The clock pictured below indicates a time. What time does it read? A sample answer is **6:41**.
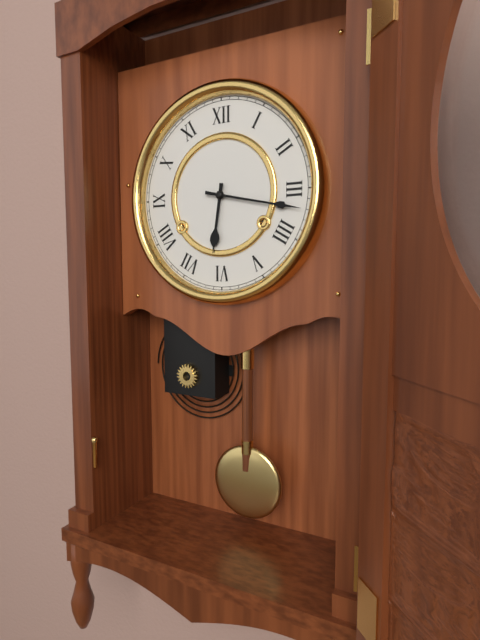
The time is **6:17**
